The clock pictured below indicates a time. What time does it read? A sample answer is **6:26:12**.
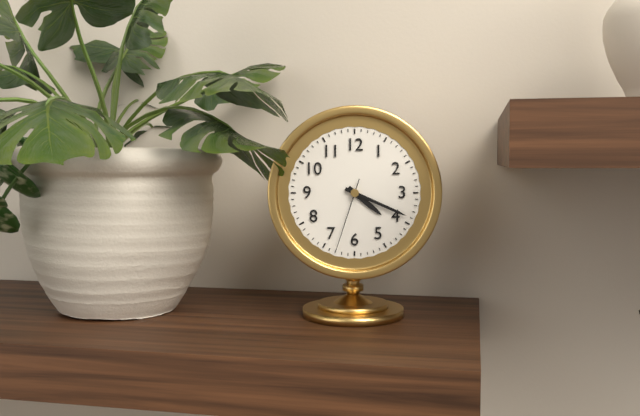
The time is **4:19:33**
